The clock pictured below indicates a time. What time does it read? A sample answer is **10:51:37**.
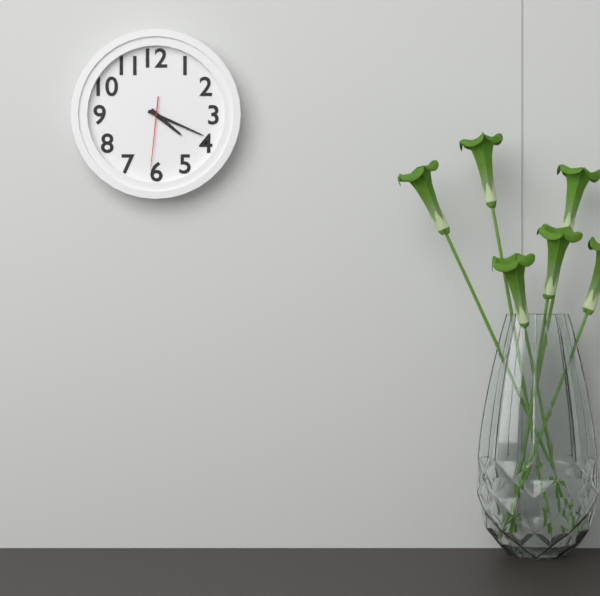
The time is **4:19:31**
